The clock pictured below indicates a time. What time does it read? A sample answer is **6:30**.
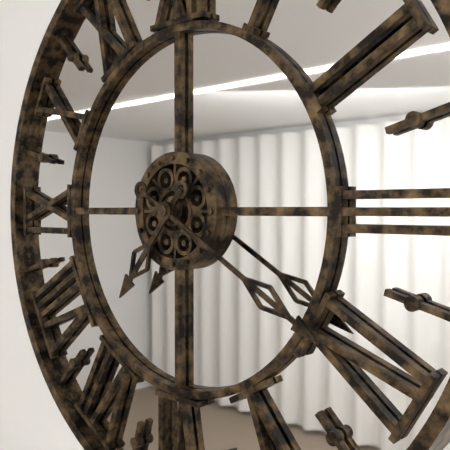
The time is **7:20**
